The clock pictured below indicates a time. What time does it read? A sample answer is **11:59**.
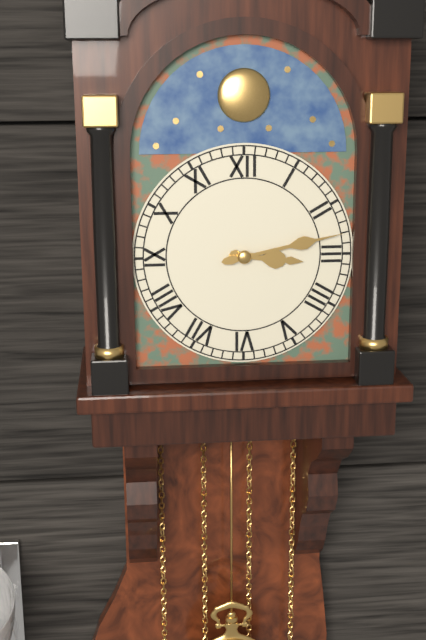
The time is **3:13**
